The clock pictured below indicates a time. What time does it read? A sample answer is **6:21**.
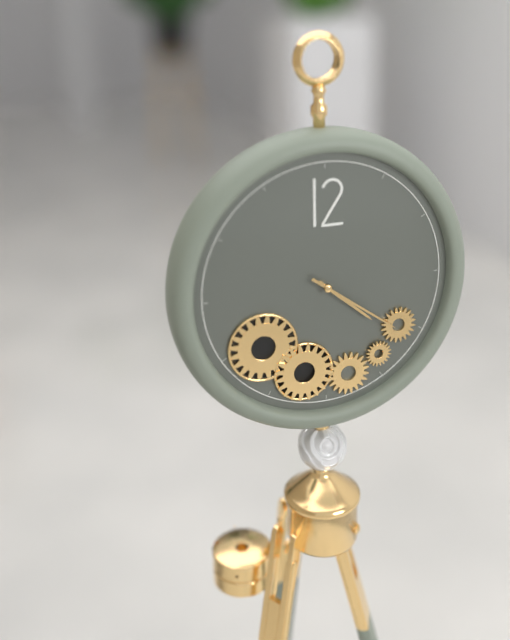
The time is **4:21**
